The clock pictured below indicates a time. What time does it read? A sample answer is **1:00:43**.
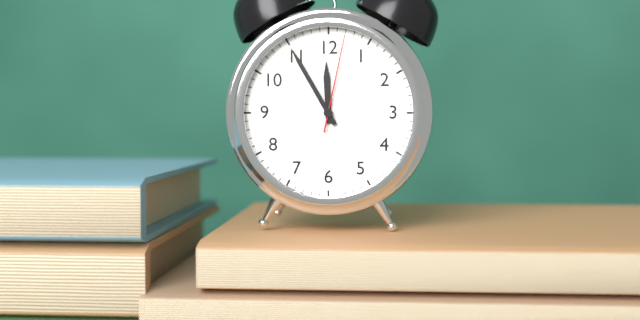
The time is **11:55:02**
